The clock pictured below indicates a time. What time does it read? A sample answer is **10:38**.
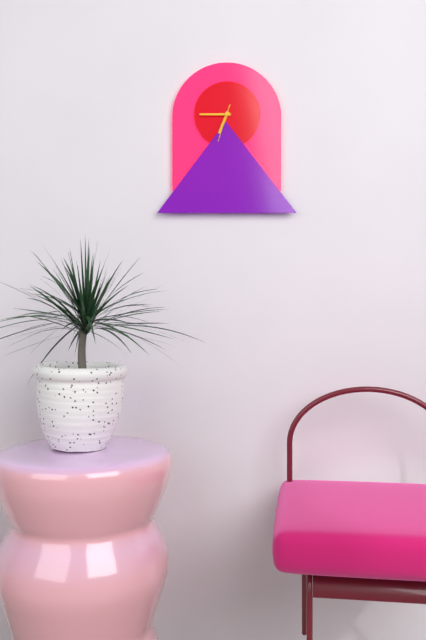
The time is **6:45**
